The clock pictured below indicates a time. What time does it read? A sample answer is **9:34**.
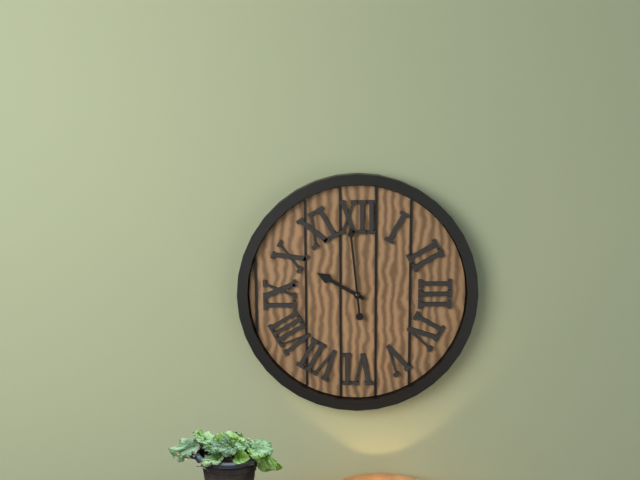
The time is **9:59**
